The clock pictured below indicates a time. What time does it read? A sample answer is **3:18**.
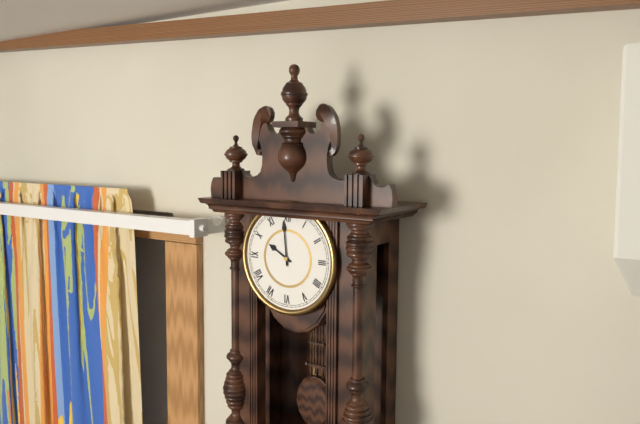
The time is **9:59**
